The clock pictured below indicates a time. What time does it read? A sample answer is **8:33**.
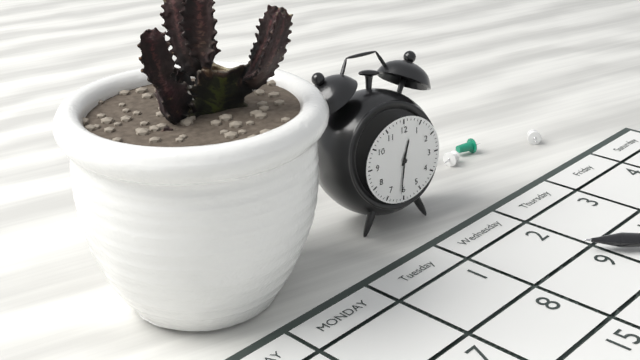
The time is **12:31**
